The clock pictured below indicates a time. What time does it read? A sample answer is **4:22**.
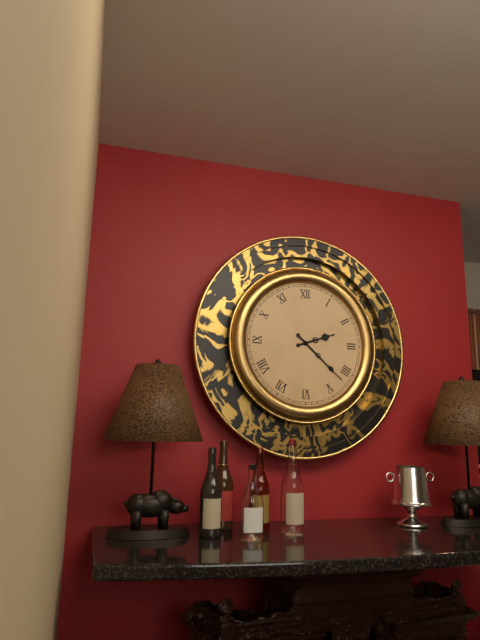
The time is **2:22**
